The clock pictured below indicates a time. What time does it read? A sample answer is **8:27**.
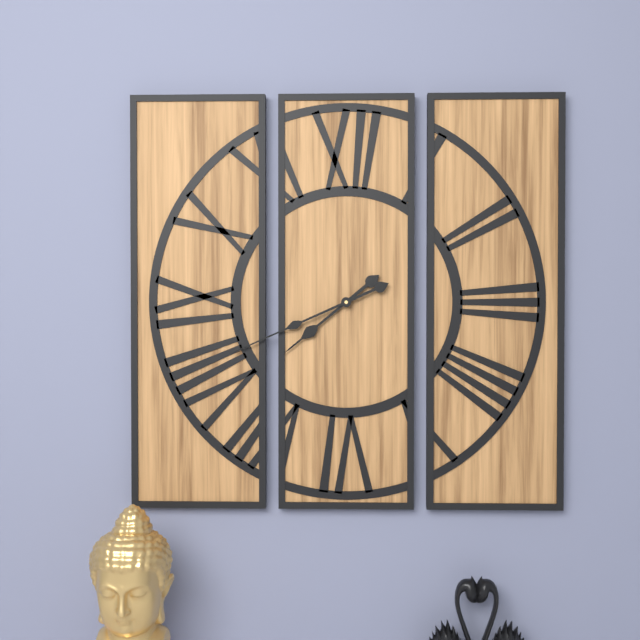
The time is **7:41**
